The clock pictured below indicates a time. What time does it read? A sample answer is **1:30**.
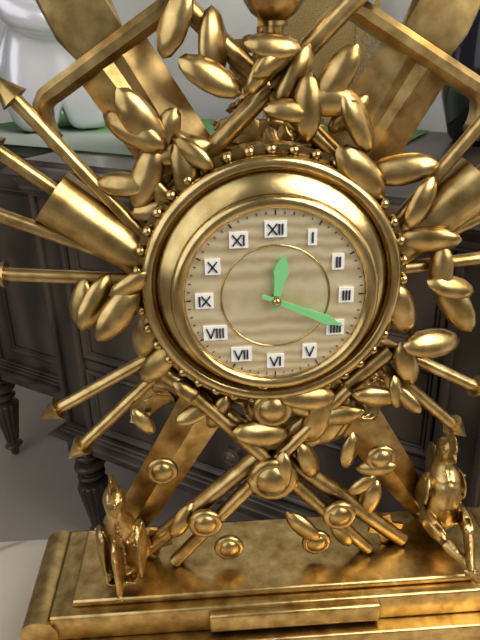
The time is **12:19**
